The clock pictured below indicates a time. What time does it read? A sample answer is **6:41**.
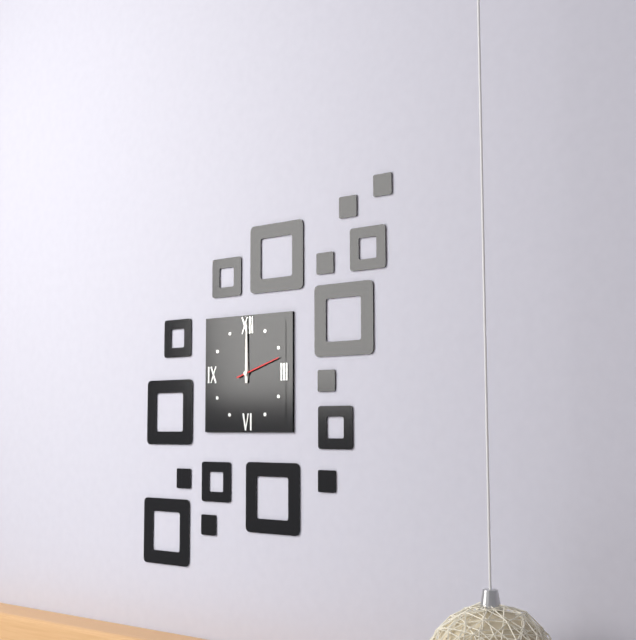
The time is **12:00**
